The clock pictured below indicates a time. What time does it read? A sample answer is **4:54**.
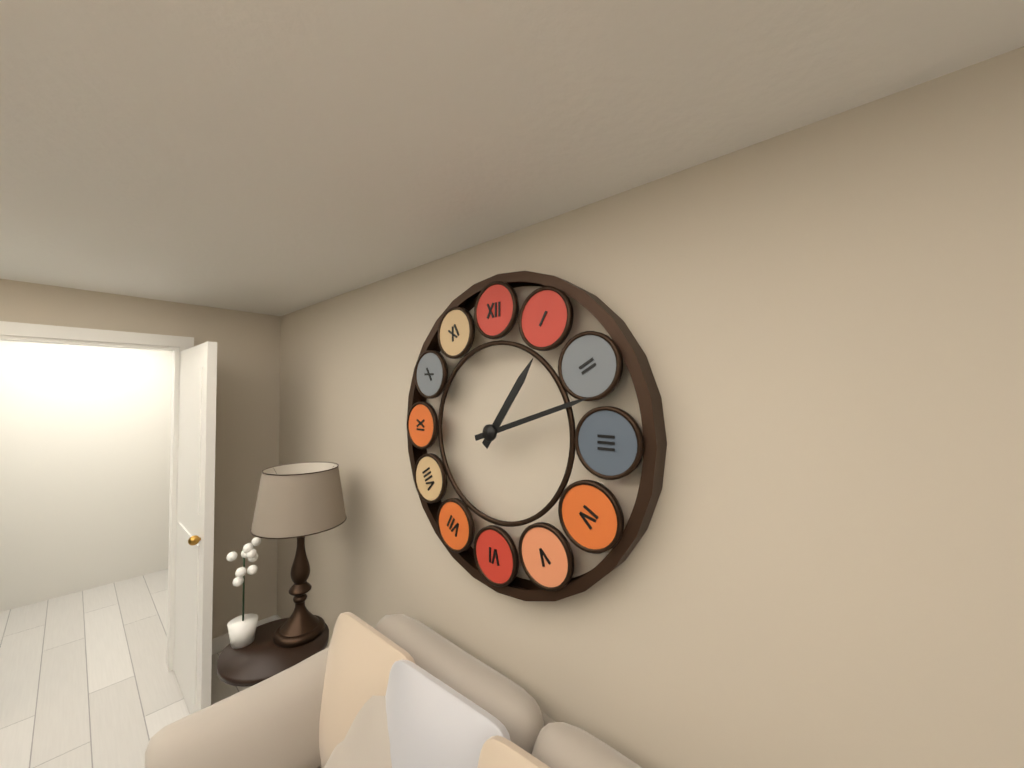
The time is **1:12**
